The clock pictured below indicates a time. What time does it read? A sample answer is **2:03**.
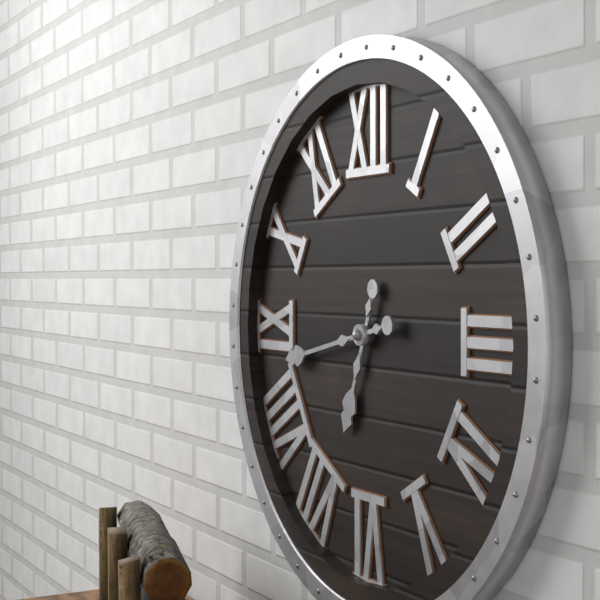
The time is **6:43**
